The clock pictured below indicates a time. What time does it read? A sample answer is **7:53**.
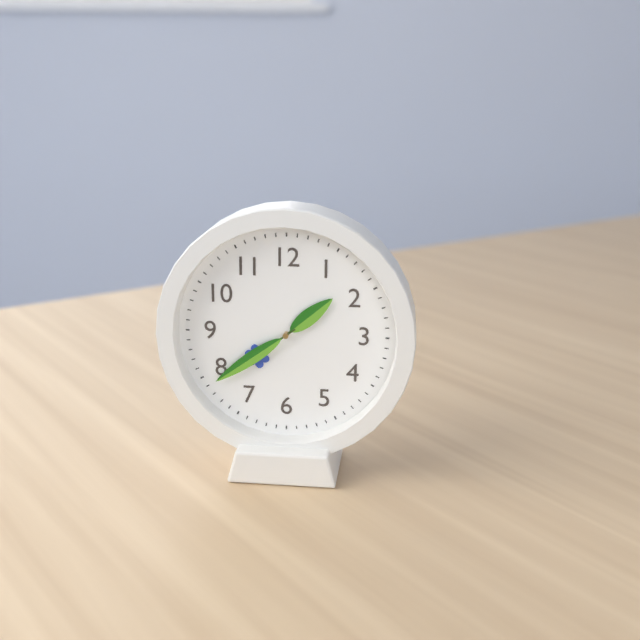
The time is **1:39**
